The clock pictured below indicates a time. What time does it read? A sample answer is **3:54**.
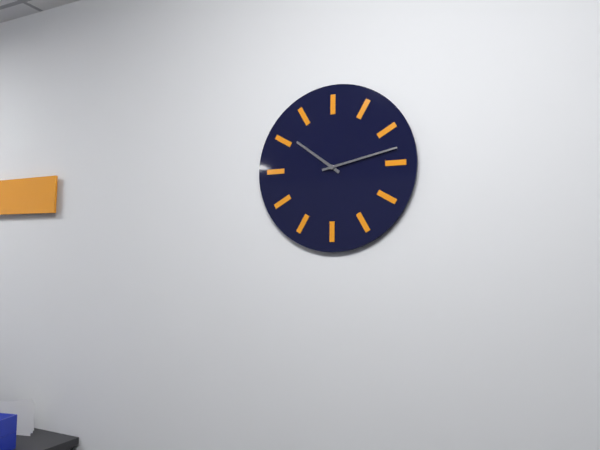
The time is **10:13**
